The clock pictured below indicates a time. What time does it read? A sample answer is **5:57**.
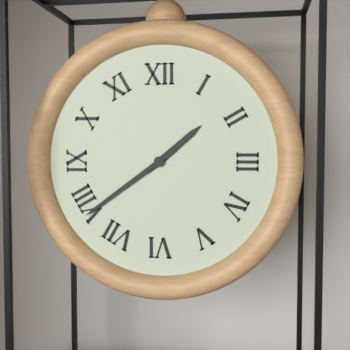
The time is **1:39**
